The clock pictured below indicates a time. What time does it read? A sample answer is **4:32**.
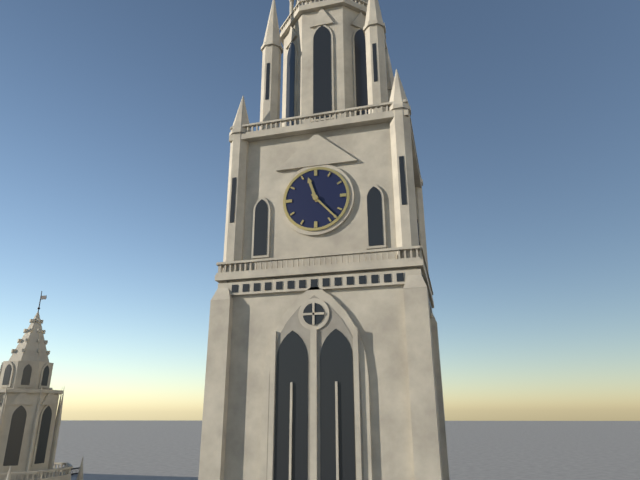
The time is **11:23**
